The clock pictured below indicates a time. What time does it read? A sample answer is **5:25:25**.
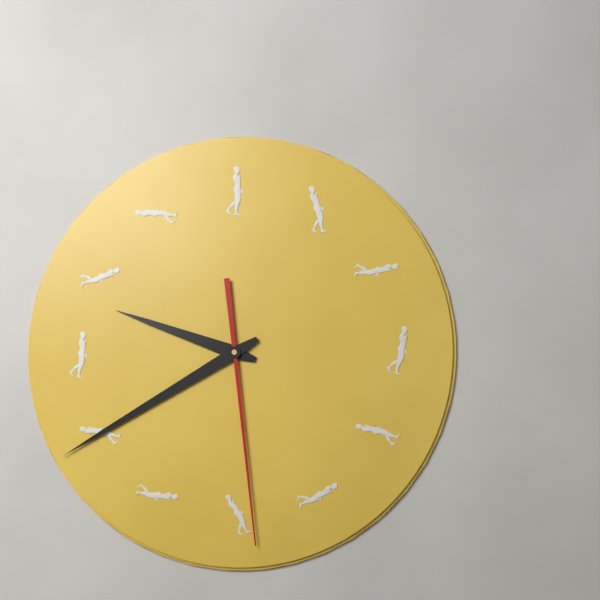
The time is **9:40:29**
